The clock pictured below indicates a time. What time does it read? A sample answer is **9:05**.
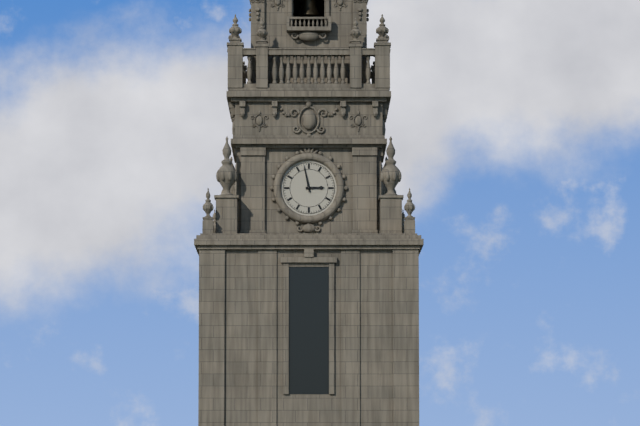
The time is **2:58**
